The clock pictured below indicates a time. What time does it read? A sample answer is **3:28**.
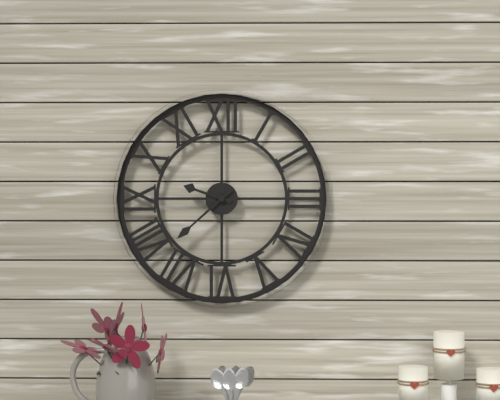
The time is **9:38**
